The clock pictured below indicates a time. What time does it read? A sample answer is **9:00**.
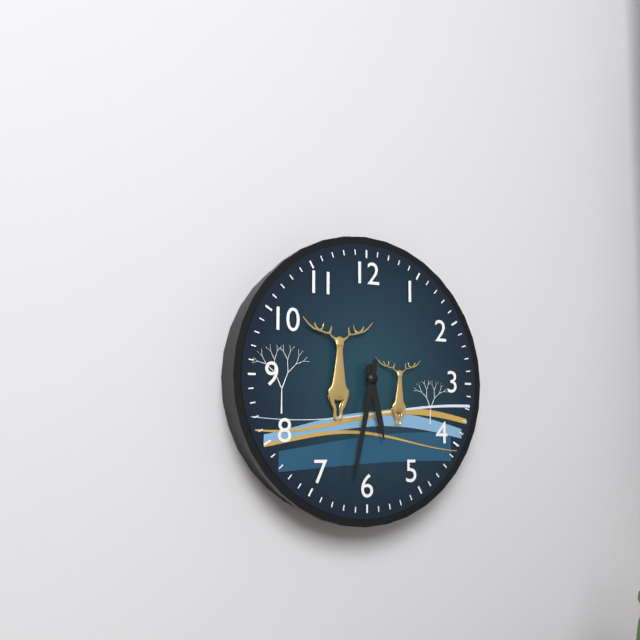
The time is **5:32**
